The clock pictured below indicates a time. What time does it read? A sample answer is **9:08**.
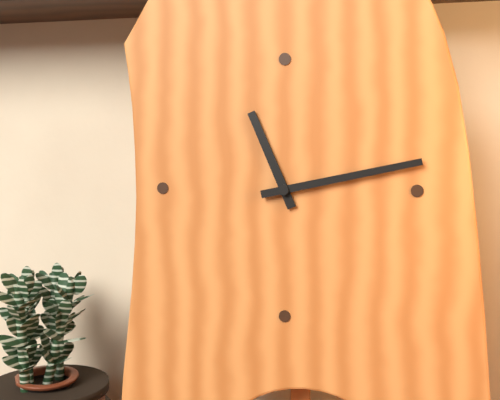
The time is **11:13**
